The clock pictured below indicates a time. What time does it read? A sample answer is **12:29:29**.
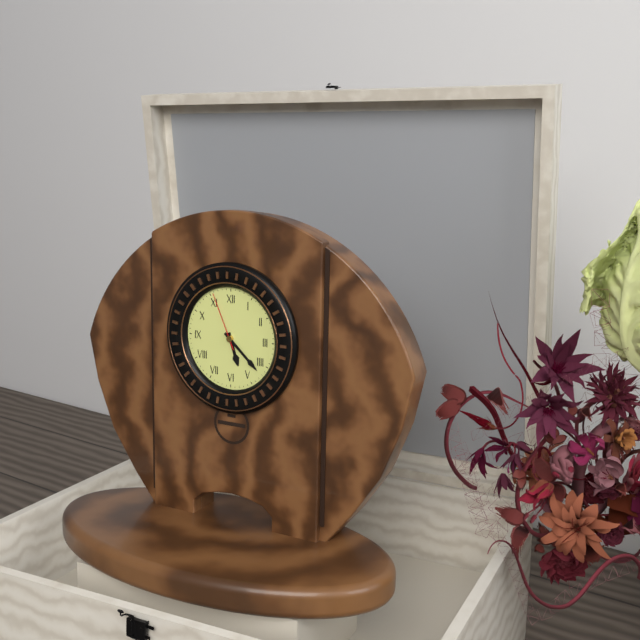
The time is **5:22:56**
